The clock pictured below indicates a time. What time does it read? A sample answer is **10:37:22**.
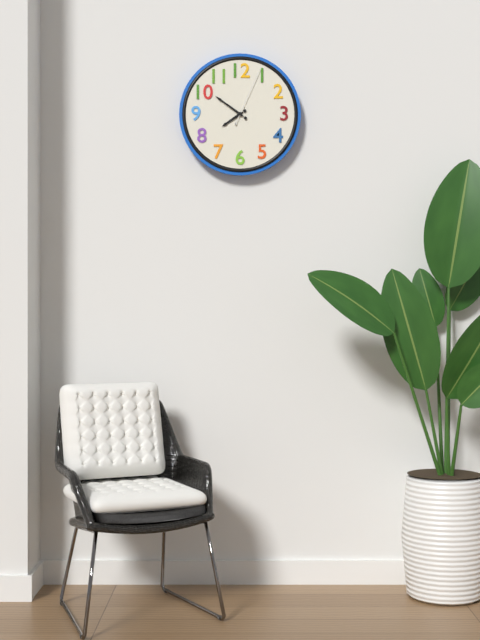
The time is **7:51:04**
